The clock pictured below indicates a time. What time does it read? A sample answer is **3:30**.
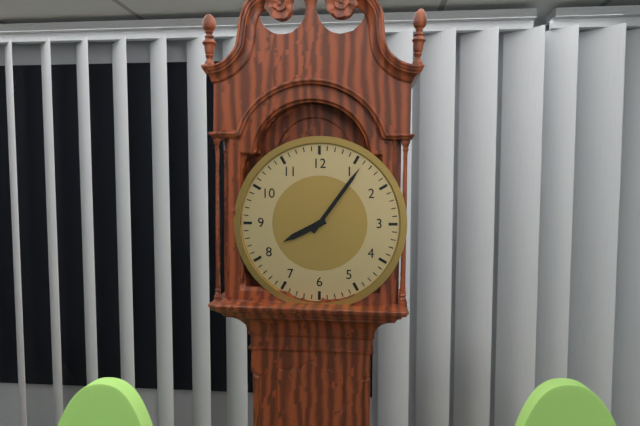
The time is **8:06**
